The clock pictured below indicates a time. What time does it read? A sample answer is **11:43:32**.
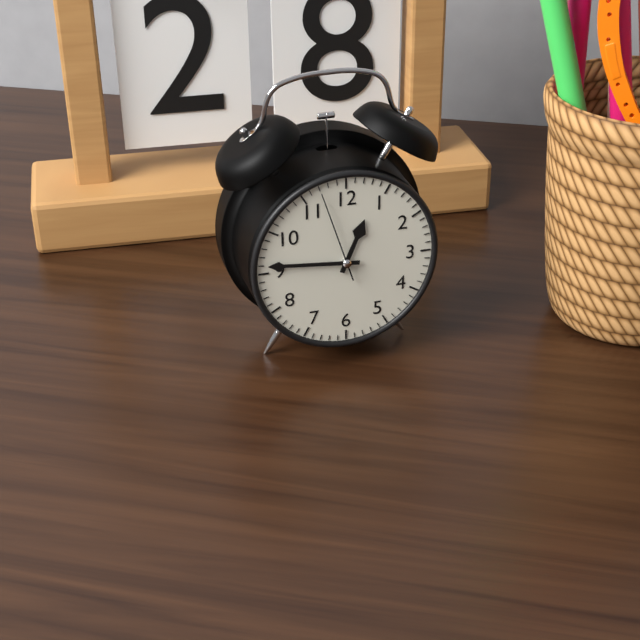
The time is **12:46:57**
